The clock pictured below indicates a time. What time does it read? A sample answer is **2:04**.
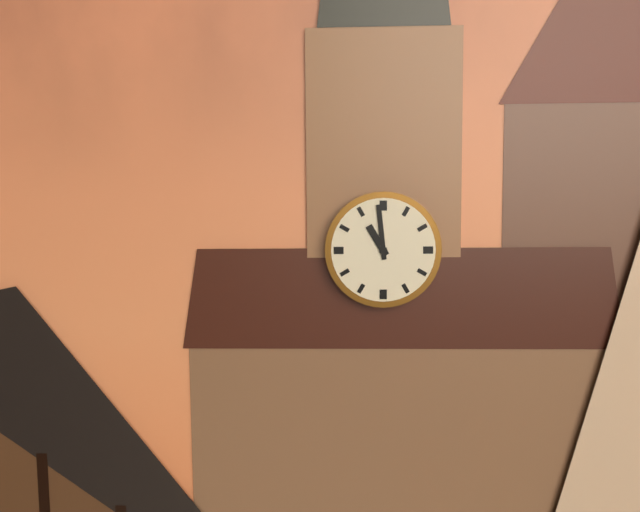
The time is **10:59**
